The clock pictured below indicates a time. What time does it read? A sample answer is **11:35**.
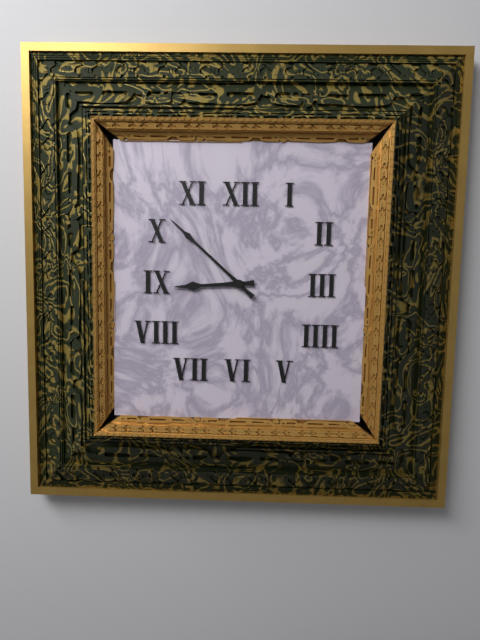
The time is **8:52**
